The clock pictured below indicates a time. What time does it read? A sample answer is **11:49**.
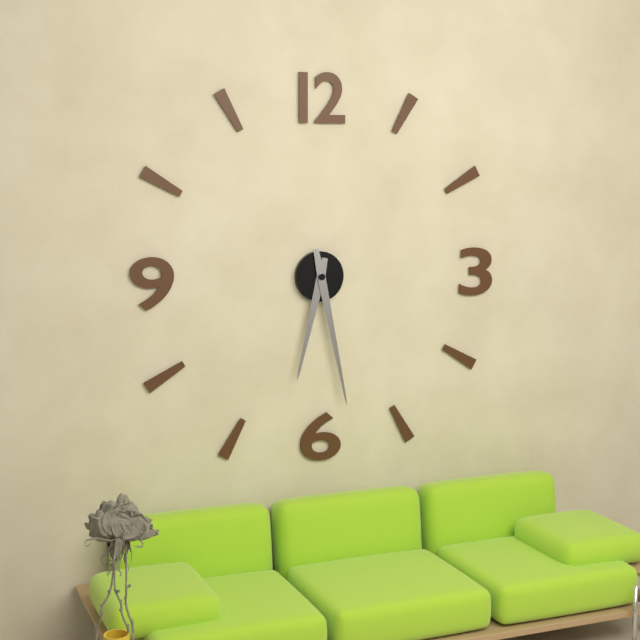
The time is **6:28**
